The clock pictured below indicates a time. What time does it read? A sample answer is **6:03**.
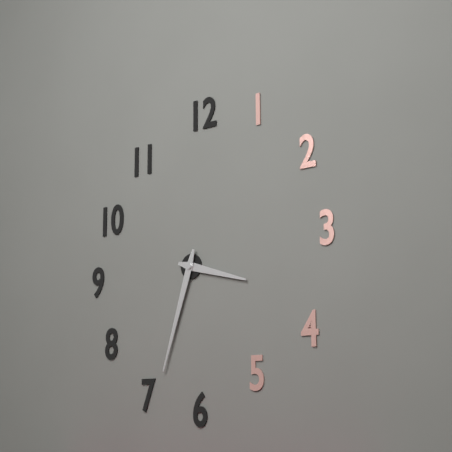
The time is **3:33**
